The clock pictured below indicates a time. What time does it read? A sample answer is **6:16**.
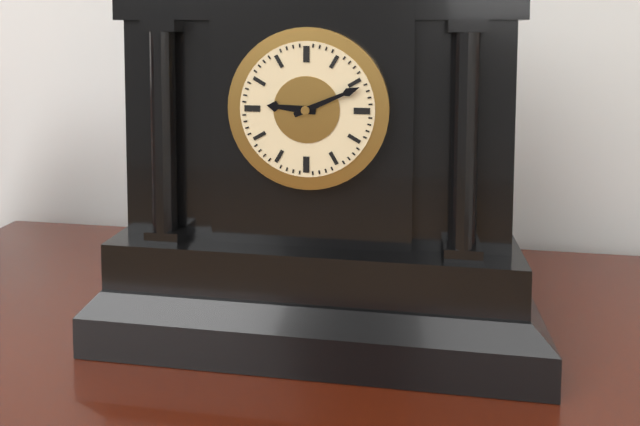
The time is **9:11**
